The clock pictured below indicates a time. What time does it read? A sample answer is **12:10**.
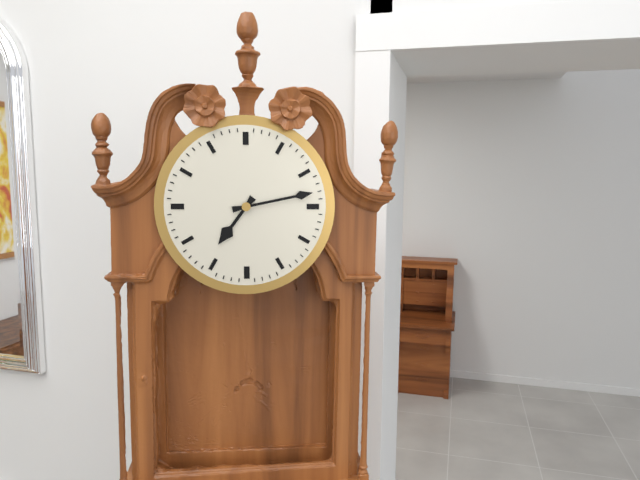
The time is **7:13**
